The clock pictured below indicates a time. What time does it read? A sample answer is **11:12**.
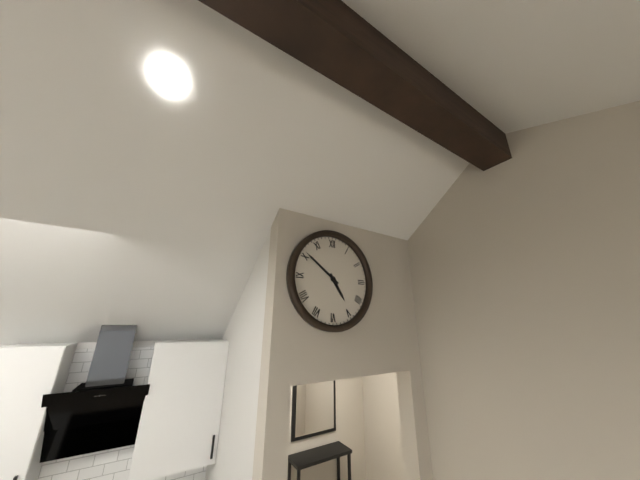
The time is **4:51**
